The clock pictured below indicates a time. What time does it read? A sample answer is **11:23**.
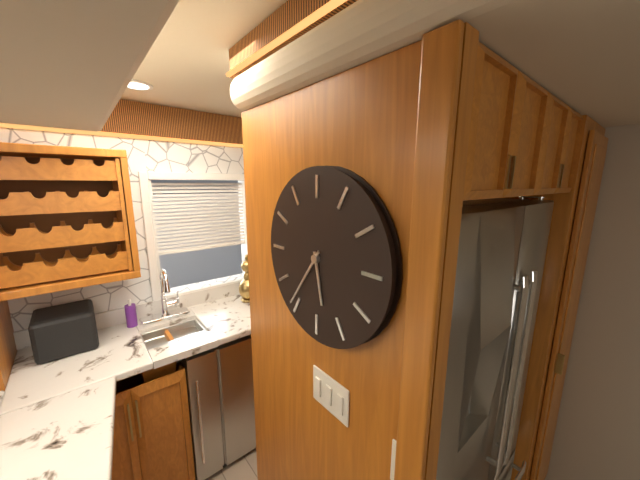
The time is **5:36**
